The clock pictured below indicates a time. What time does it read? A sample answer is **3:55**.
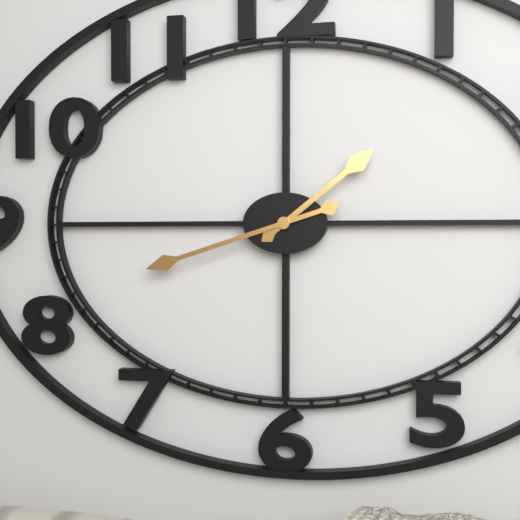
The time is **1:42**
